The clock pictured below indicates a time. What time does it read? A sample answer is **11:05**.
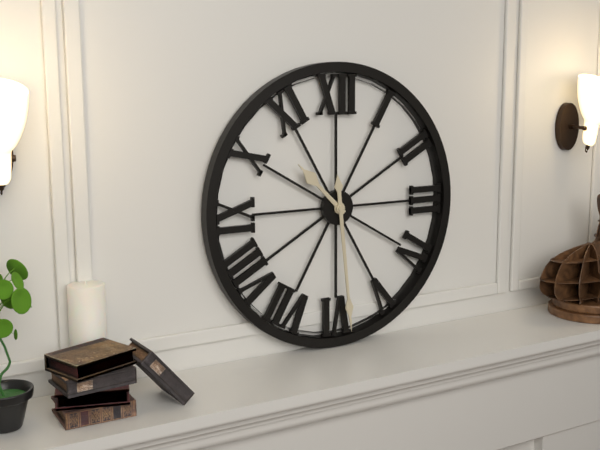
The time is **10:29**
